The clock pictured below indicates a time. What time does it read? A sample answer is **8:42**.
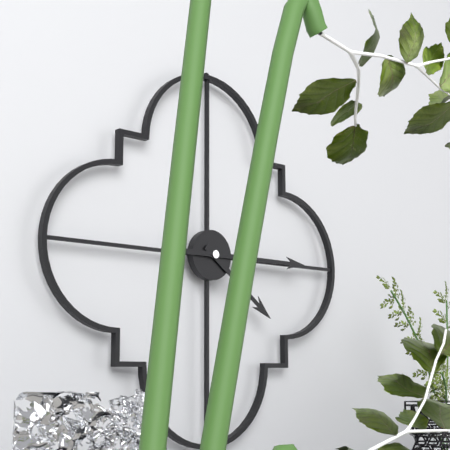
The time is **4:15**
